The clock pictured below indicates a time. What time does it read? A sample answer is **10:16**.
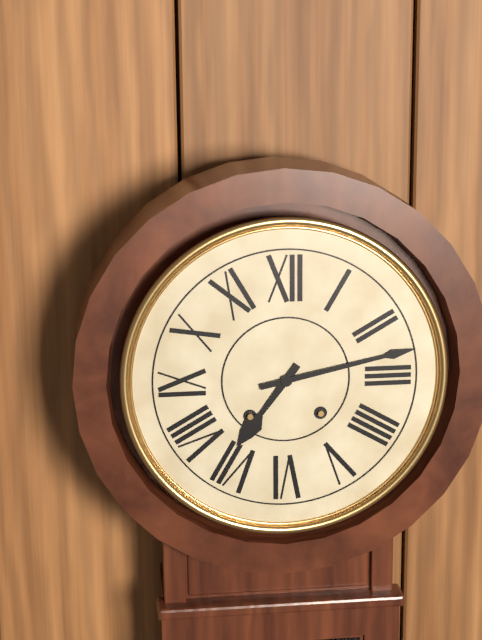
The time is **7:13**
